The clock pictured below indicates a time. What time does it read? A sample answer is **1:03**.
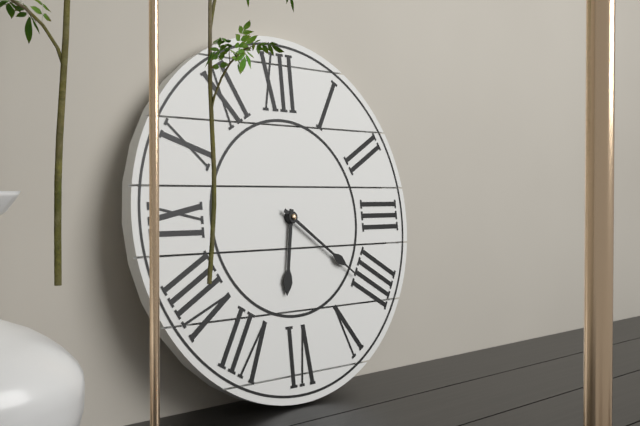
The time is **6:21**
